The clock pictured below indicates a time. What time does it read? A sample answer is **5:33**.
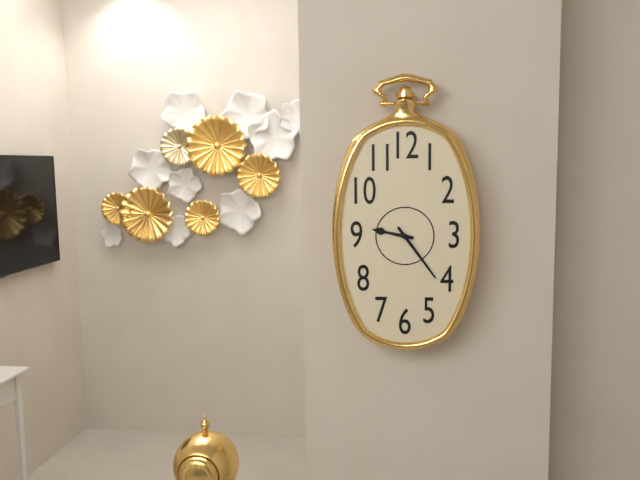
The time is **9:24**
